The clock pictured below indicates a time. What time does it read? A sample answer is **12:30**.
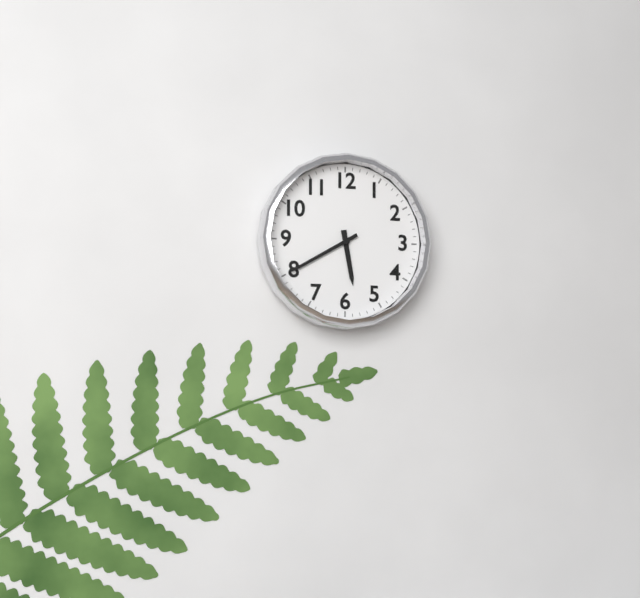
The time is **5:40**
